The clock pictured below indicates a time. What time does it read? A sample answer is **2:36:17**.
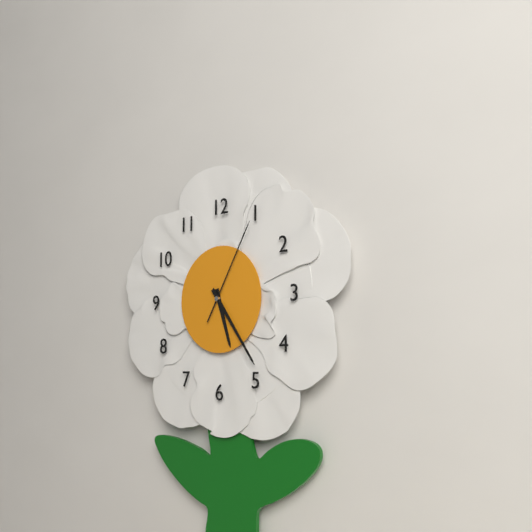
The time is **5:24:05**
